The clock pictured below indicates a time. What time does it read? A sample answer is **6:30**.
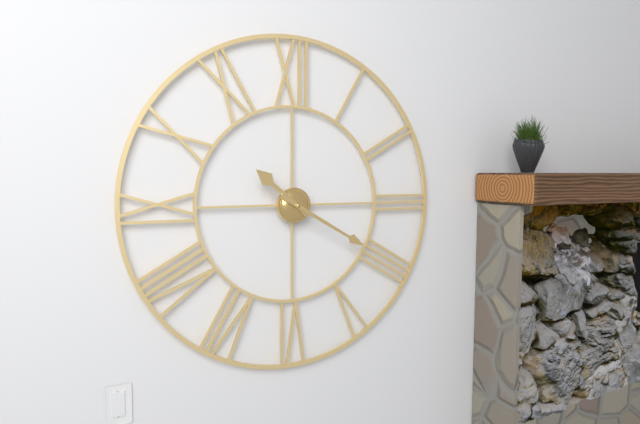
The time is **10:20**
